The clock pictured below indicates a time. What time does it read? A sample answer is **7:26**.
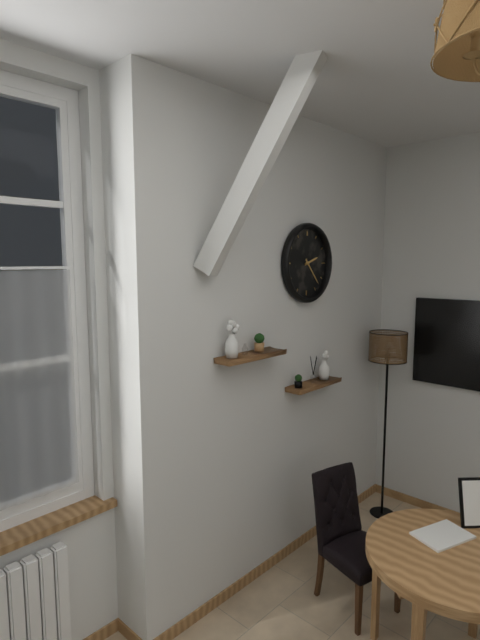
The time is **2:23**
